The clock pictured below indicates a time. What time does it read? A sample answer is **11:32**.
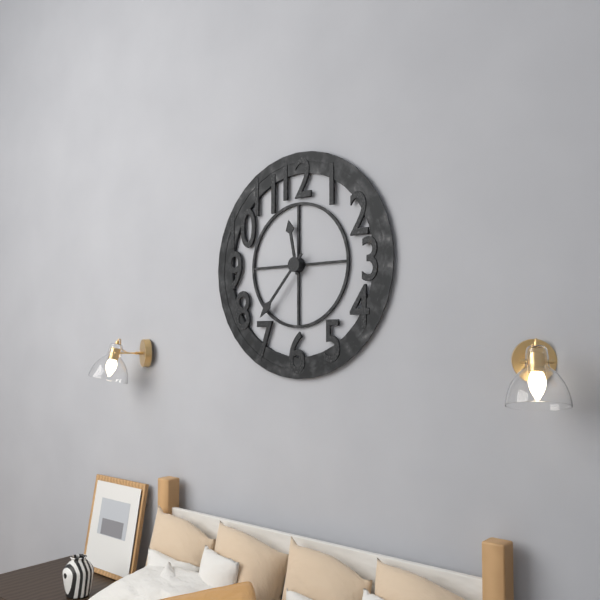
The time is **11:37**
